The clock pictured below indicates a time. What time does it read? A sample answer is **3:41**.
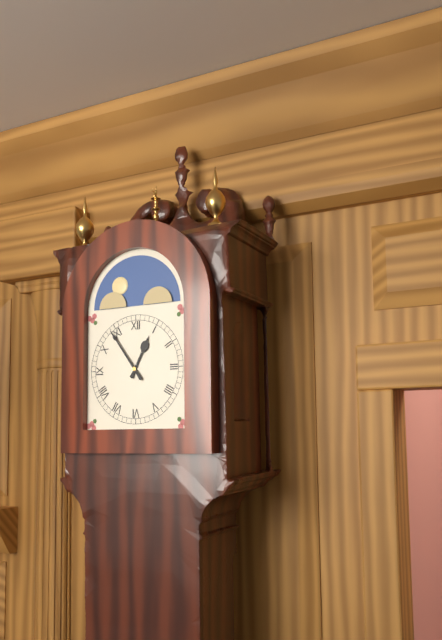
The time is **12:54**
